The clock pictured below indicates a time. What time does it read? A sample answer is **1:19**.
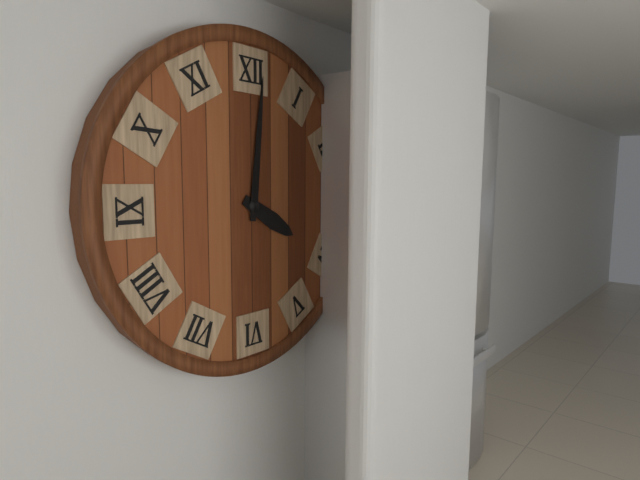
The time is **4:01**
